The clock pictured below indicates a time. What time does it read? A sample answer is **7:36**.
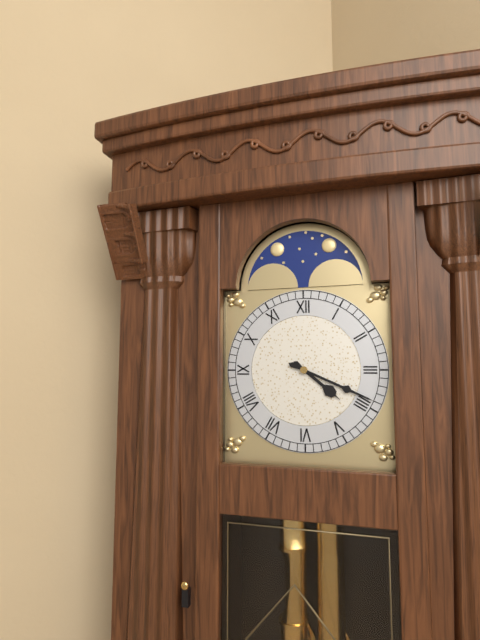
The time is **4:19**
